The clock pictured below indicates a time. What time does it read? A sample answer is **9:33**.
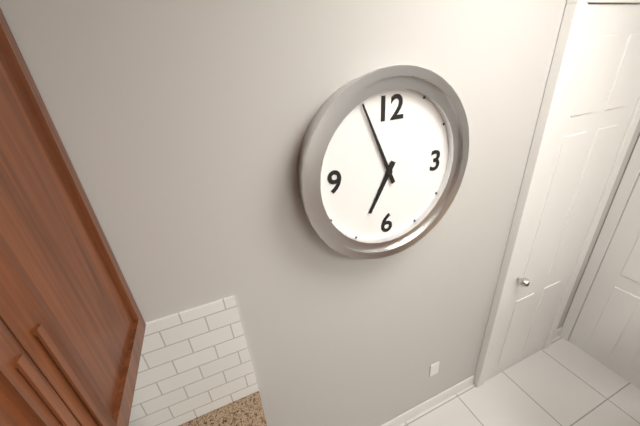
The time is **6:56**
